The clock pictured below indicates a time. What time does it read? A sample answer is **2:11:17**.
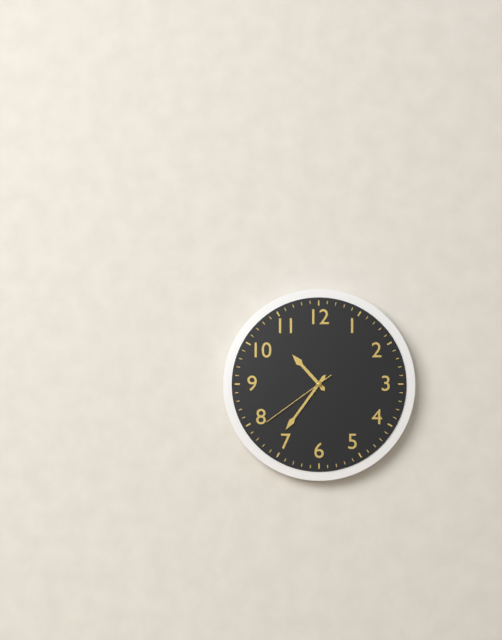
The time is **10:36:39**
